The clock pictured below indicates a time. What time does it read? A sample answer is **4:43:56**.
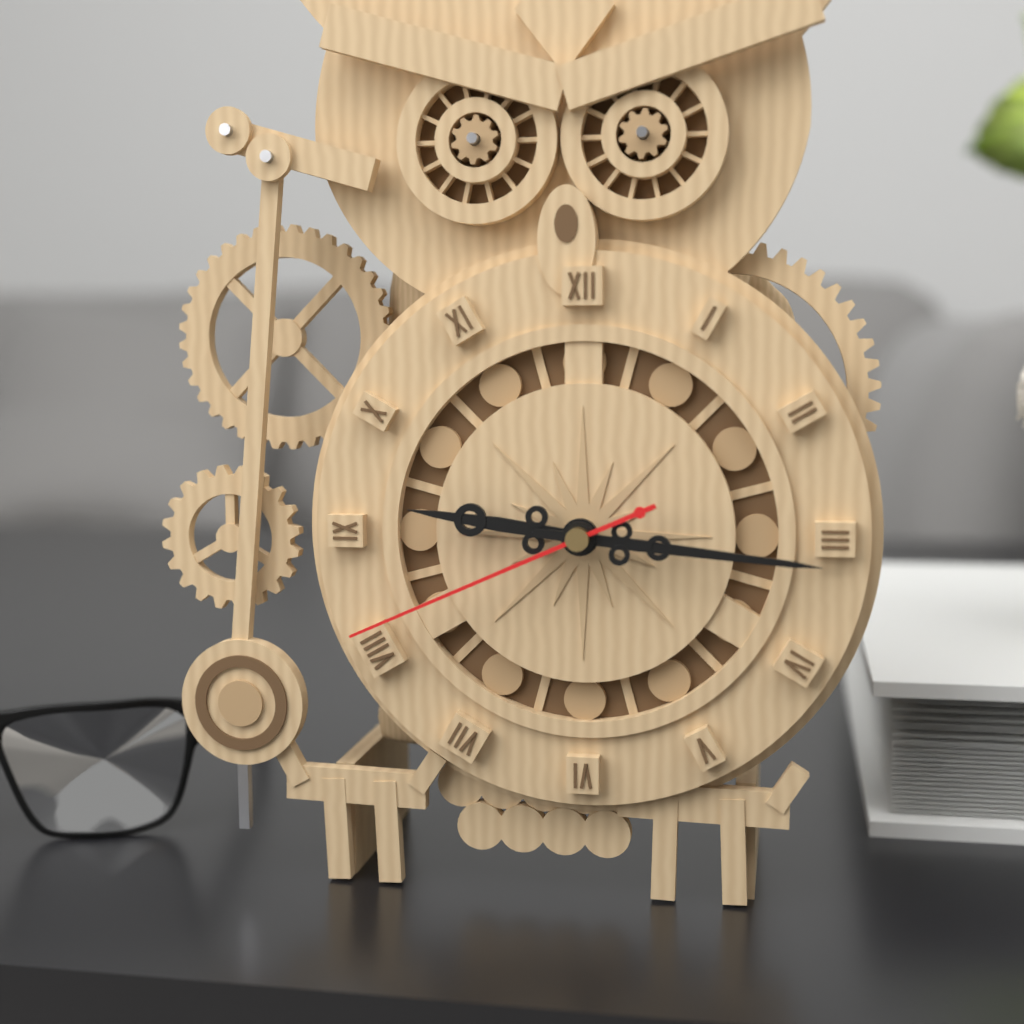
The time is **9:16:41**
